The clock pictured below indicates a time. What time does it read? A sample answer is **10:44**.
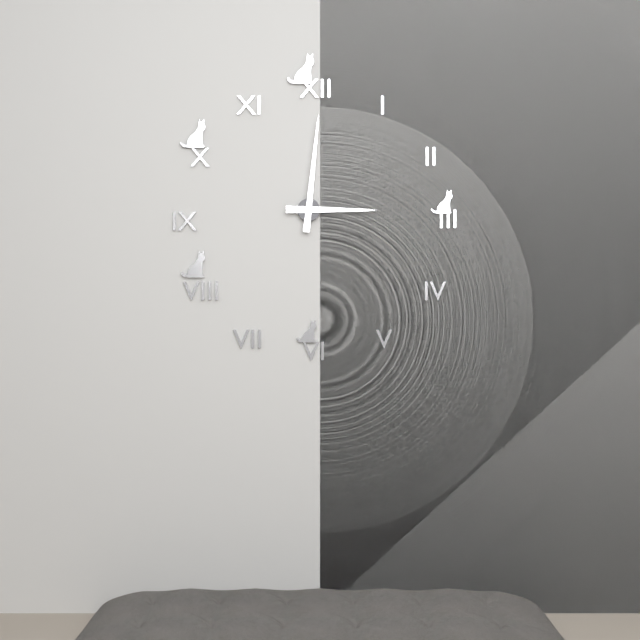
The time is **3:01**
